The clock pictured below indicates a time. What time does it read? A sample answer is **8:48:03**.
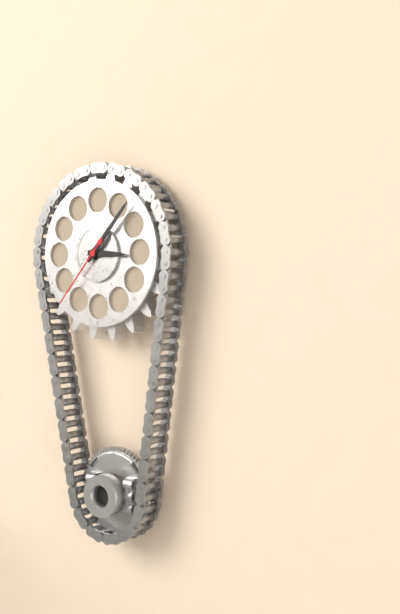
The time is **3:07:37**
